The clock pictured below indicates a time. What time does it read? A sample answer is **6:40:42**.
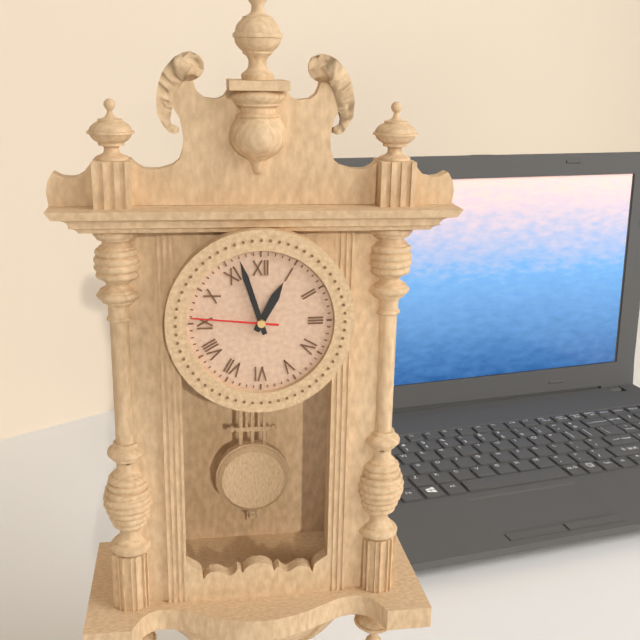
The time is **12:57:46**
